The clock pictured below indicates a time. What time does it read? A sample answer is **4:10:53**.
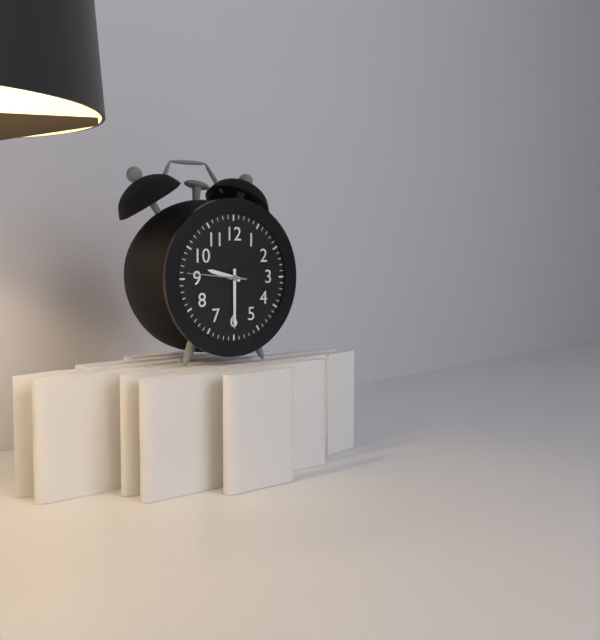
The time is **9:30:46**
